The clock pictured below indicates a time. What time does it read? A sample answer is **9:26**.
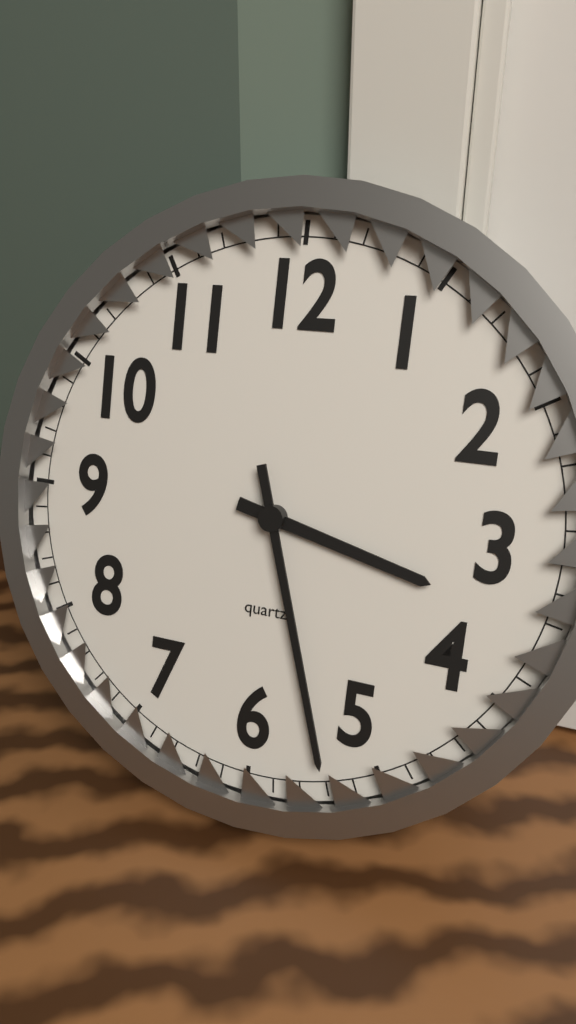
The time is **3:27**
